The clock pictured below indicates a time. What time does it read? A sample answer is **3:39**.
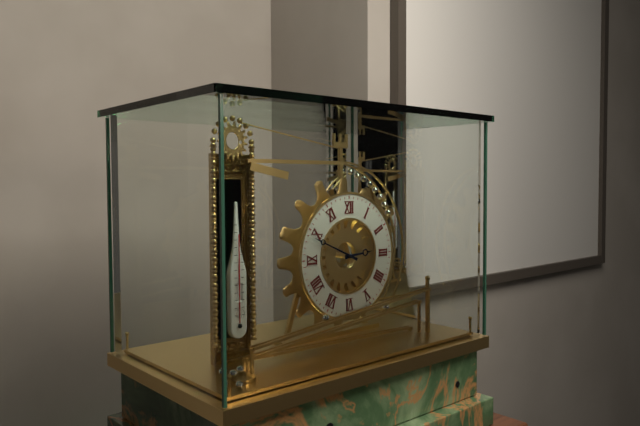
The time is **2:49**
